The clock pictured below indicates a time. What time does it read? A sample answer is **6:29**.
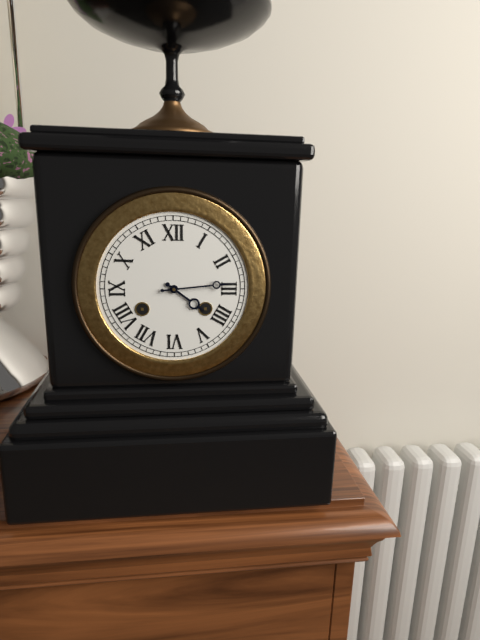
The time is **4:14**
